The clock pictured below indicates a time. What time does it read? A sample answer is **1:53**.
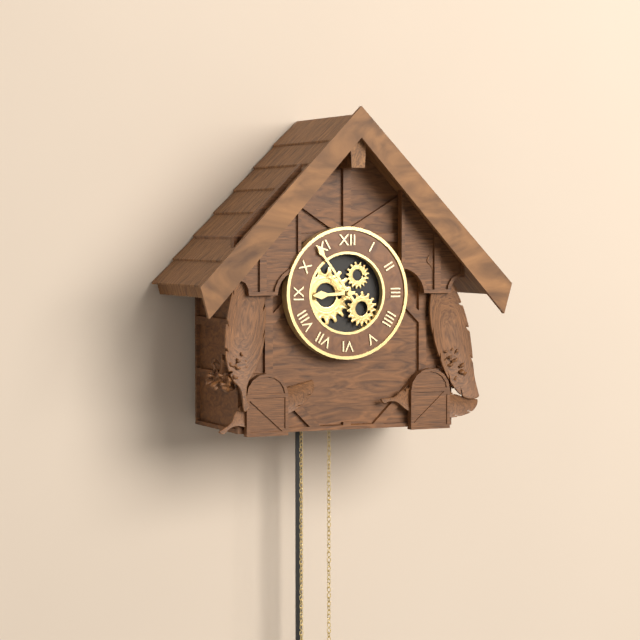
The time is **8:54**
